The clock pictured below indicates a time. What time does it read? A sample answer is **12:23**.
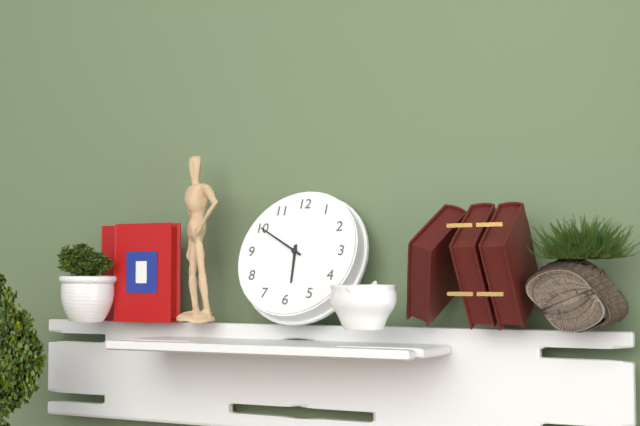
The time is **5:50**
